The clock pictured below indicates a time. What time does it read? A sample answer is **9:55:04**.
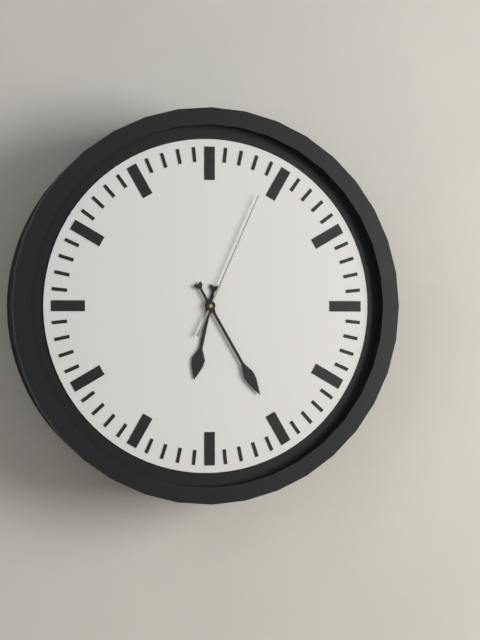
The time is **6:25:04**
